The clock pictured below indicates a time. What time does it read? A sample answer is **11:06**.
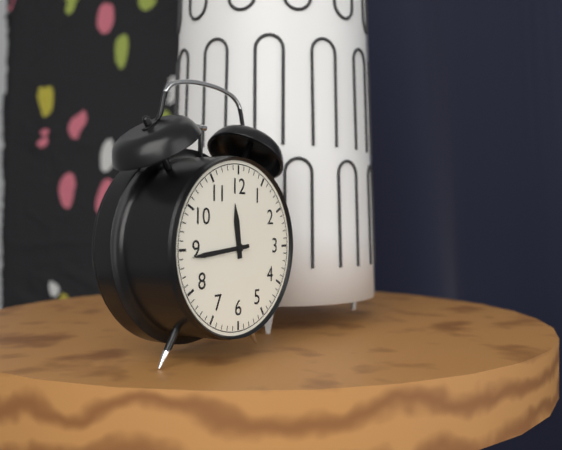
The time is **11:44**
